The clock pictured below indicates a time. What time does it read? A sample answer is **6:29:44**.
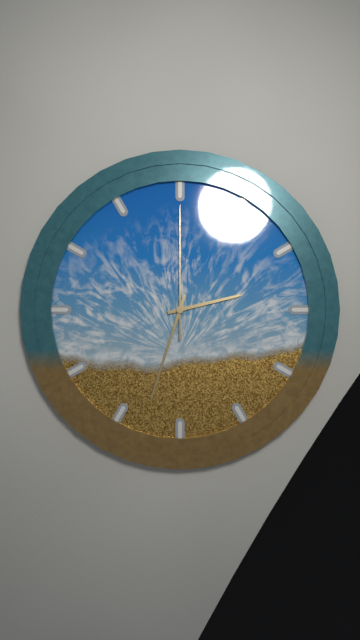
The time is **2:33:00**
